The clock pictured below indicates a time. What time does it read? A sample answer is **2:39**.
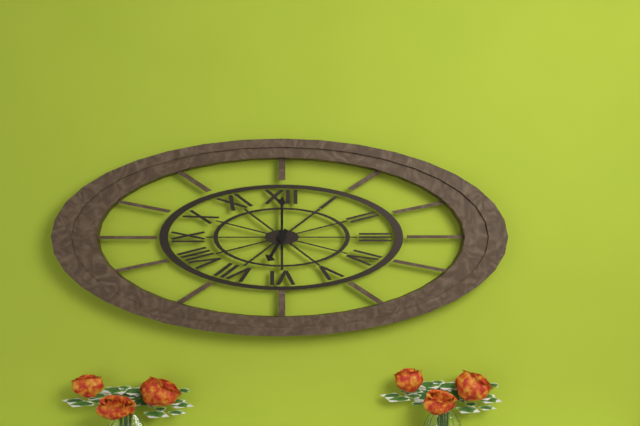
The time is **7:00**
